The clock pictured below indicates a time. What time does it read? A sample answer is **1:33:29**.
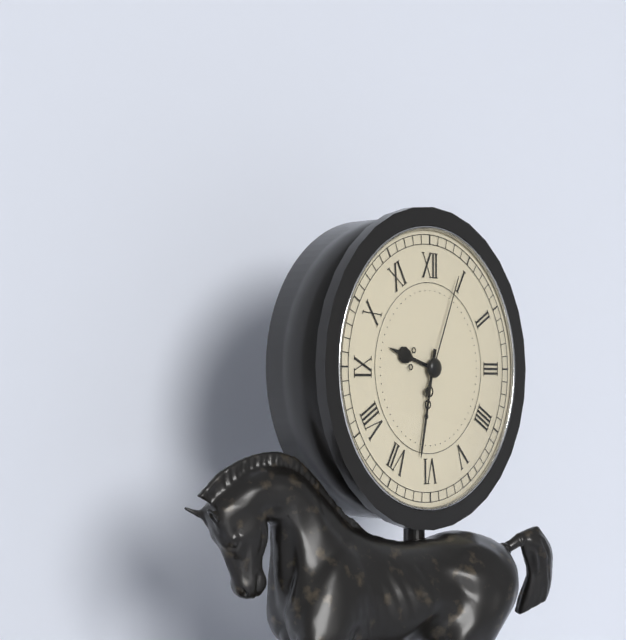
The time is **9:32:04**
